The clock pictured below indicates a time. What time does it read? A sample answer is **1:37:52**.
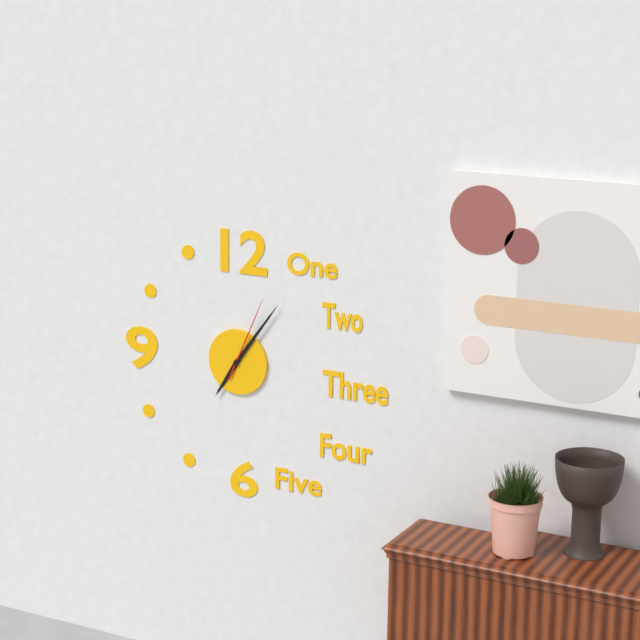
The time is **7:06:04**
